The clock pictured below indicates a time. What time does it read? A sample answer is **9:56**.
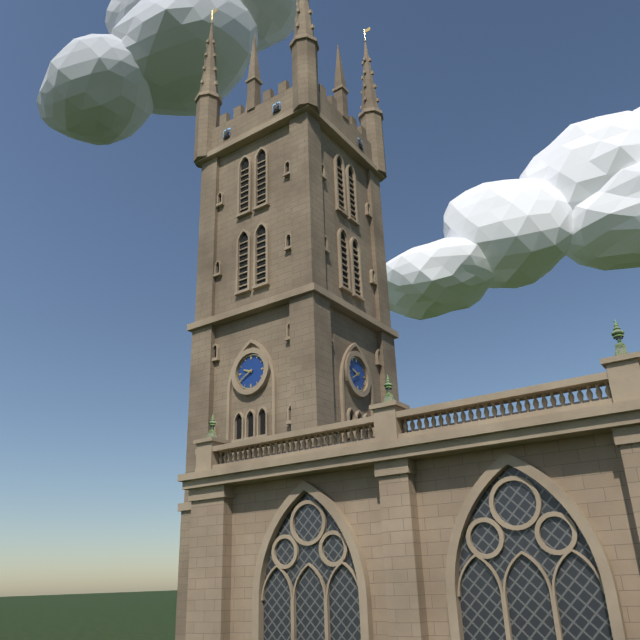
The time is **9:40**
